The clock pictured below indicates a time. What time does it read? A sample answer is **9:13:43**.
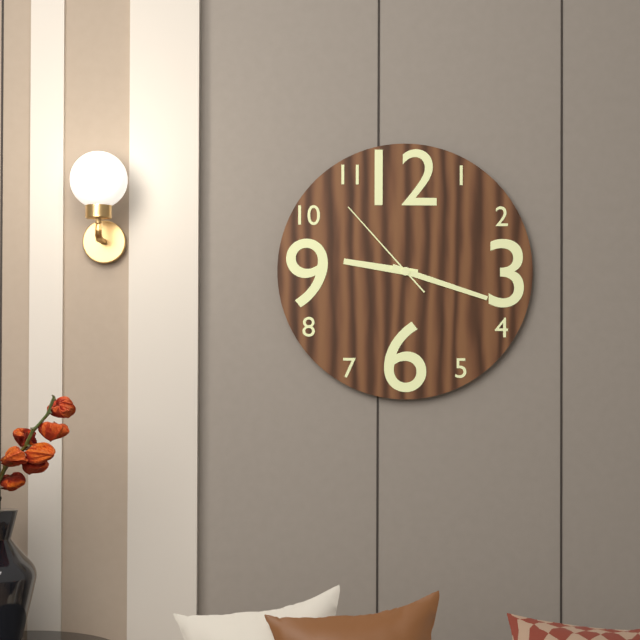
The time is **9:18:53**
